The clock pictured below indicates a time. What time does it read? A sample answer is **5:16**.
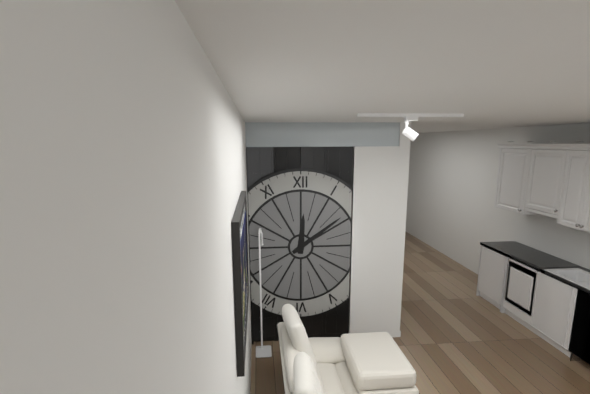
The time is **12:09**
